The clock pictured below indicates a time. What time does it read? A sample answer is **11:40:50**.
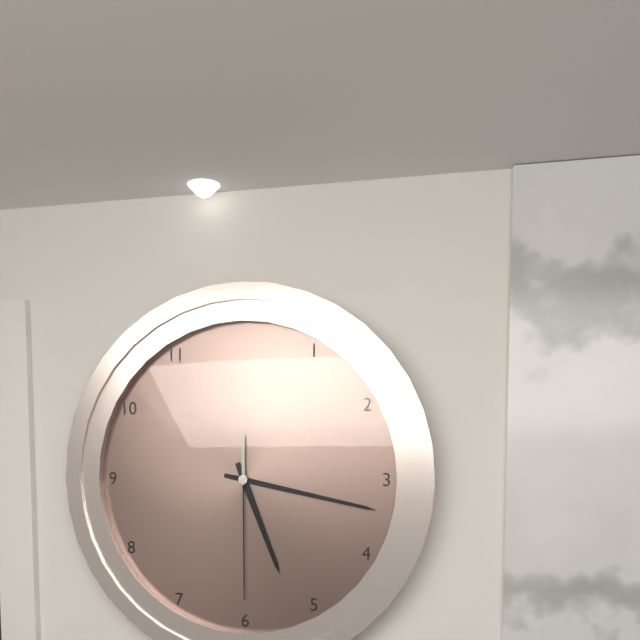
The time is **5:17:30**
